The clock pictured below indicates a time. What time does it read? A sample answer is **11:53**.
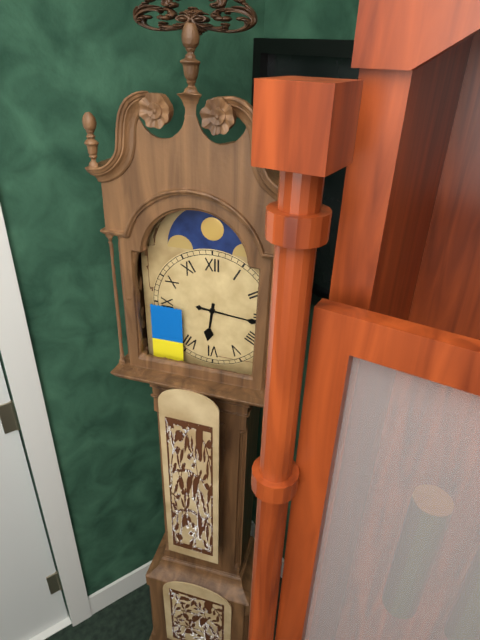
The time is **6:16**
